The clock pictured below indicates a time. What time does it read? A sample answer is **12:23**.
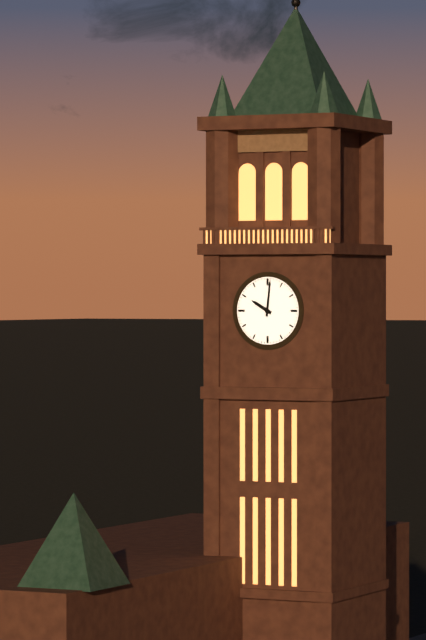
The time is **10:01**
